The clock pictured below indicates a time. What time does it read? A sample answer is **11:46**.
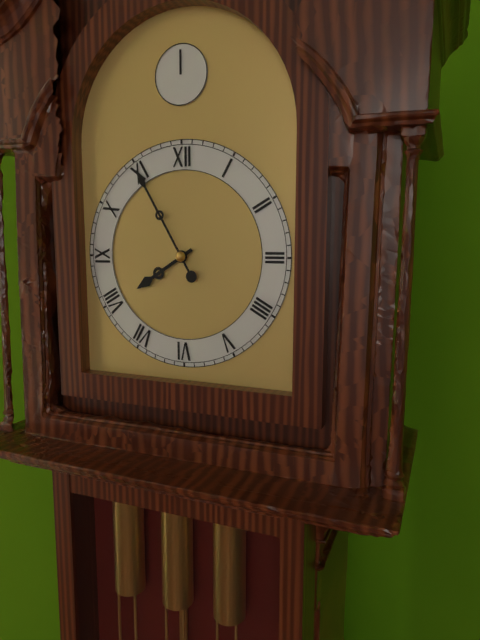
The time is **7:55**
